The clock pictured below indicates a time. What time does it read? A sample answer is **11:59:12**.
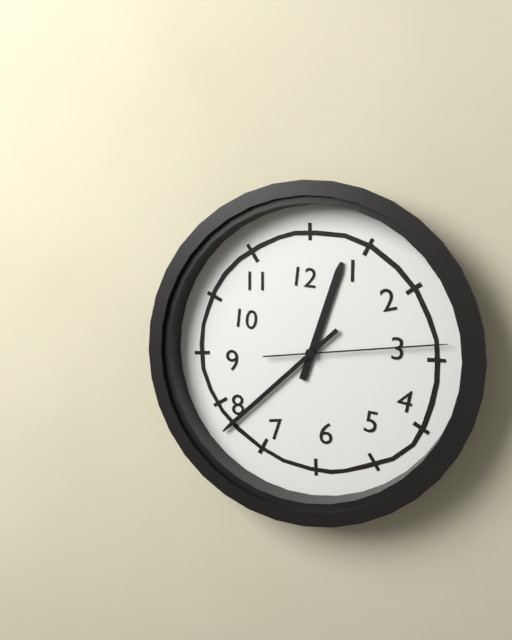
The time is **12:38:14**
